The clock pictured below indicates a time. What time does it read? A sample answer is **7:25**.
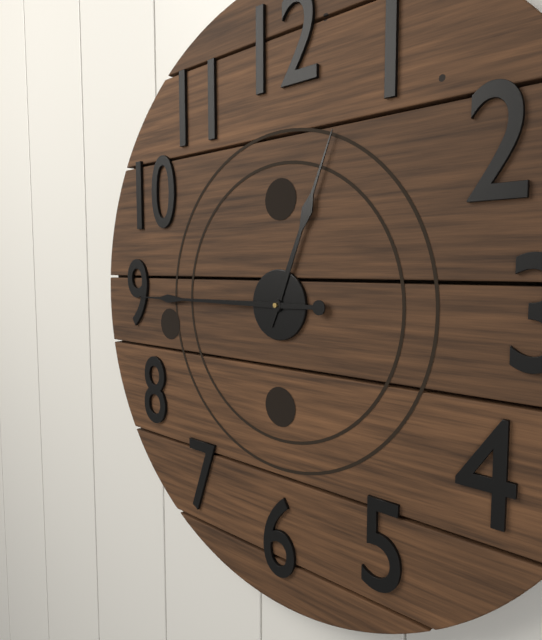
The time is **12:45**
